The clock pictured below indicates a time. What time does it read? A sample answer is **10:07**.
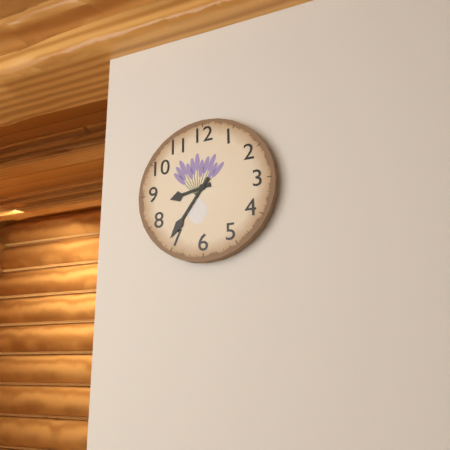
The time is **8:36**
